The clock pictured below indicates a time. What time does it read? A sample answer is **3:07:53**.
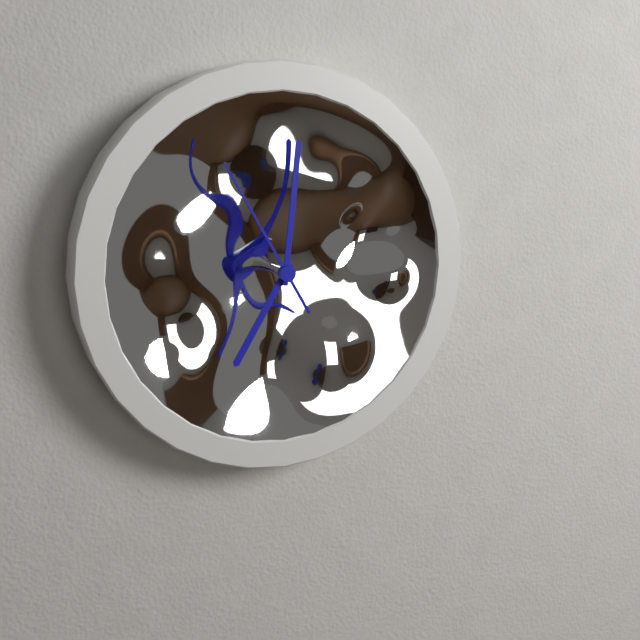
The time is **7:01:55**
